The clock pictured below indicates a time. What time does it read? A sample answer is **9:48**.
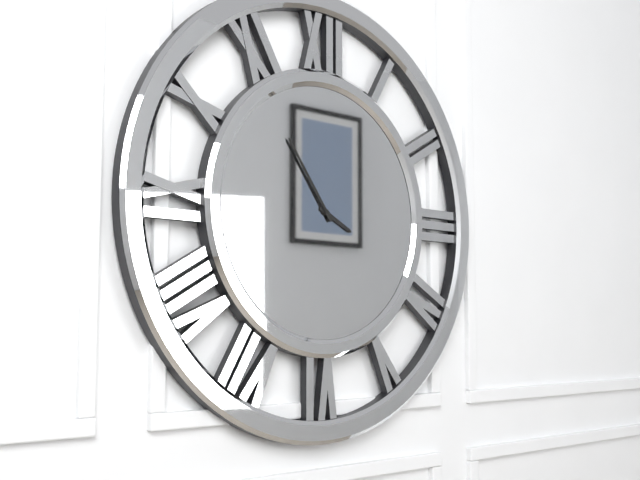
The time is **3:54**
